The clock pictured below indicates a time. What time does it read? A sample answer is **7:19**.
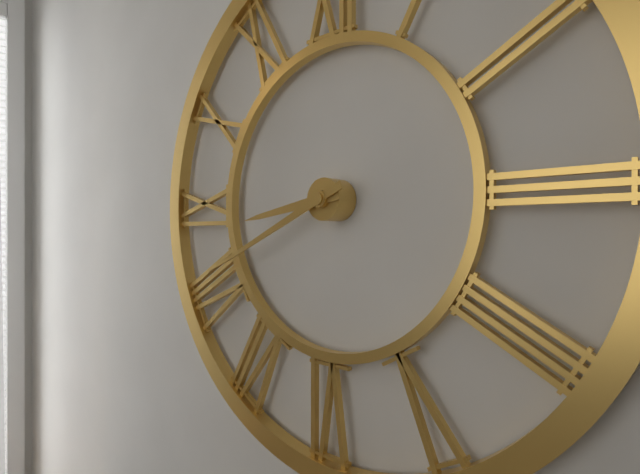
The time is **8:41**
